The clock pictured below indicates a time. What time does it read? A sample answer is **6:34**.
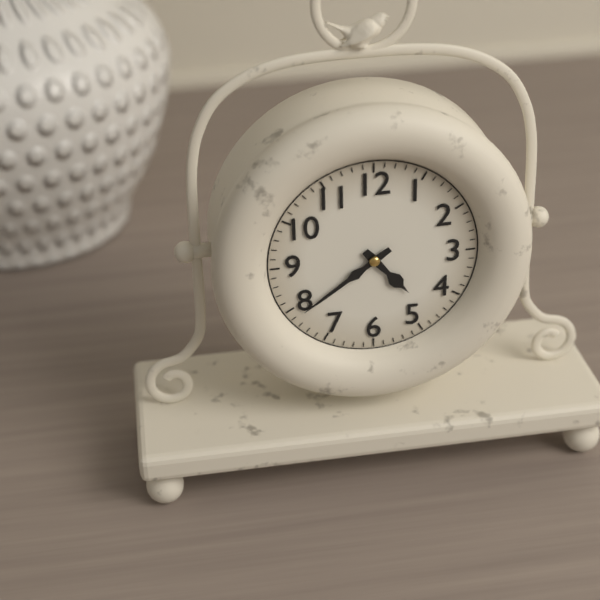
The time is **4:39**
